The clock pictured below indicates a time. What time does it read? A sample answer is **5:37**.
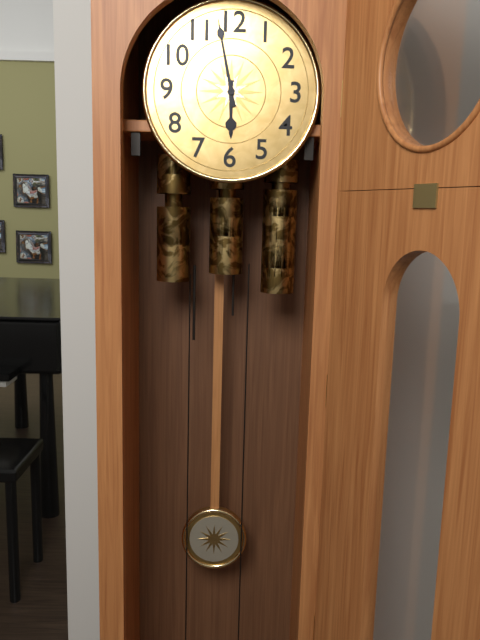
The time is **5:58**
